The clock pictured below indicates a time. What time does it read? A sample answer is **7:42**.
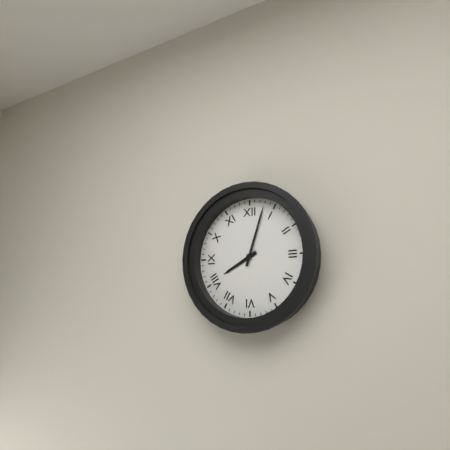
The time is **8:03**
